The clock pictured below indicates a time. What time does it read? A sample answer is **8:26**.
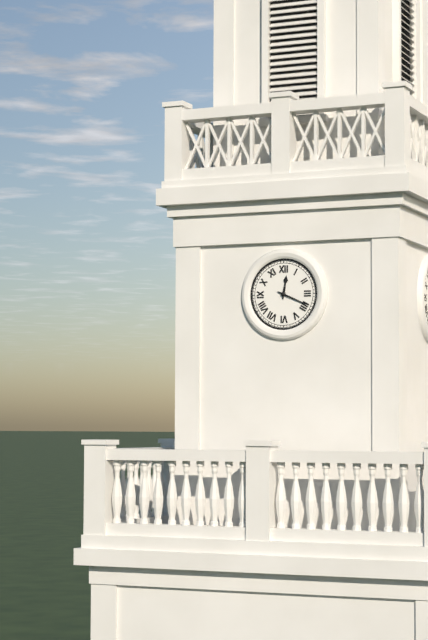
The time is **12:19**
